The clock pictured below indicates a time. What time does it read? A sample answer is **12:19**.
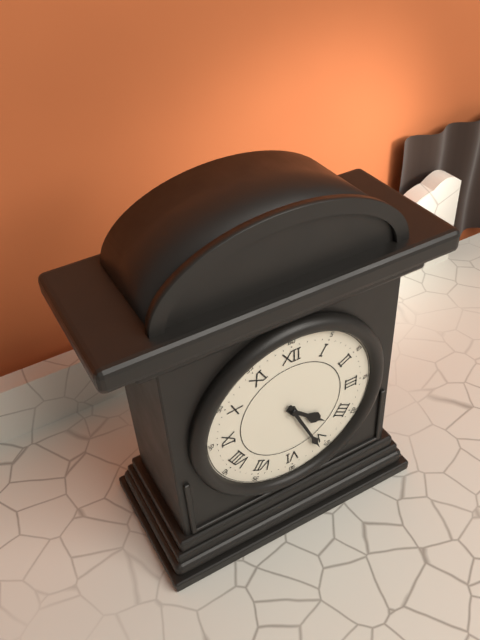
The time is **4:26**
